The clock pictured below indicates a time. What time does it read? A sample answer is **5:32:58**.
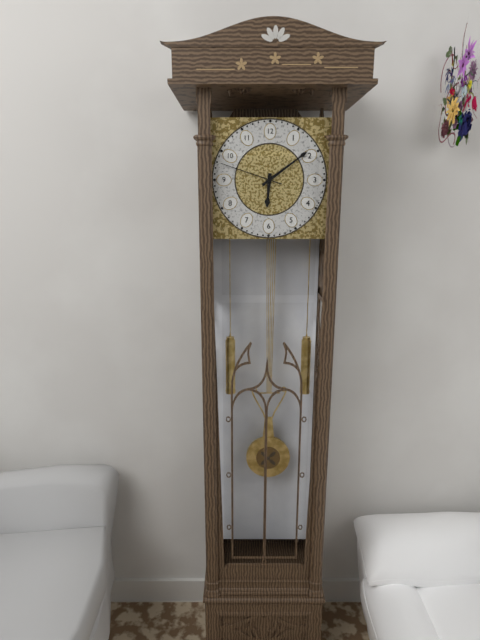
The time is **6:09:48**
